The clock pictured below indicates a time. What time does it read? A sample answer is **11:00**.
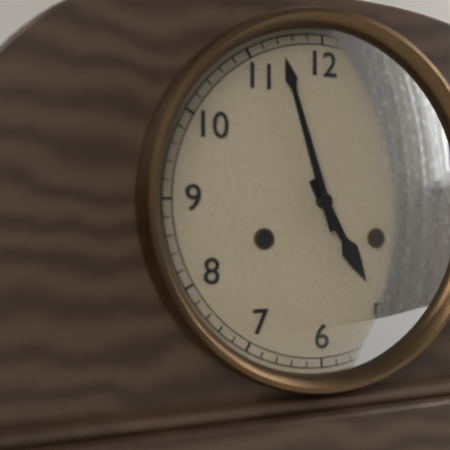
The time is **4:57**
